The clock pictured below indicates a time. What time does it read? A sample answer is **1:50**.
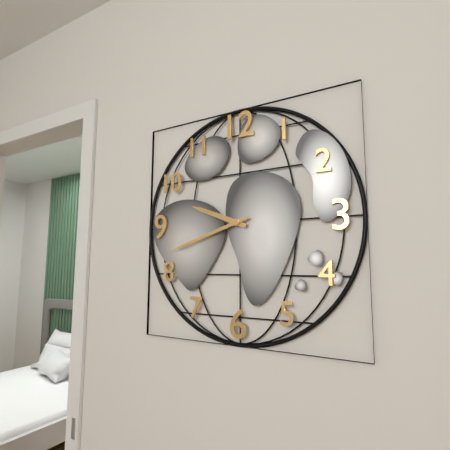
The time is **9:42**
